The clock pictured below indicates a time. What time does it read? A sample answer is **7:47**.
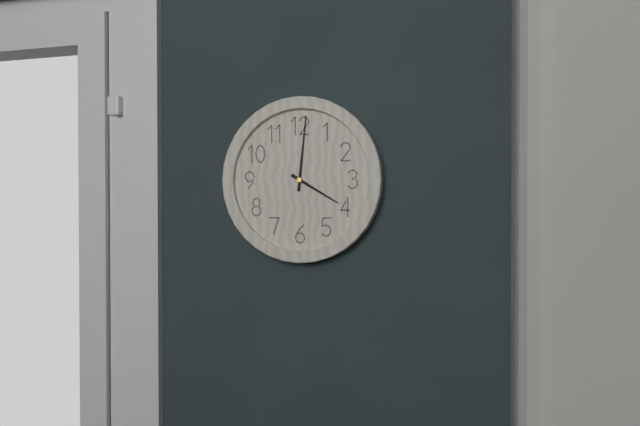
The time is **4:01**
